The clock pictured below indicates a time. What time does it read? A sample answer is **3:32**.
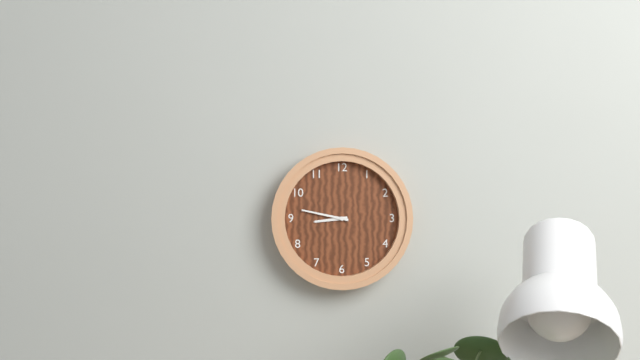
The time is **8:47**
